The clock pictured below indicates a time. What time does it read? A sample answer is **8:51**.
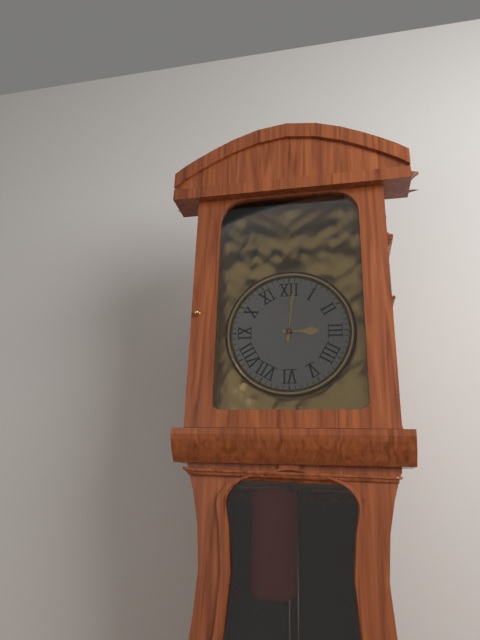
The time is **3:01**
